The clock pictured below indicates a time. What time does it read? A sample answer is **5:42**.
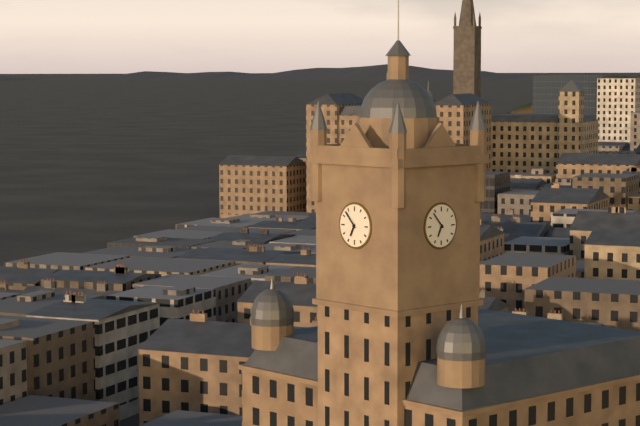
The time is **6:53**
